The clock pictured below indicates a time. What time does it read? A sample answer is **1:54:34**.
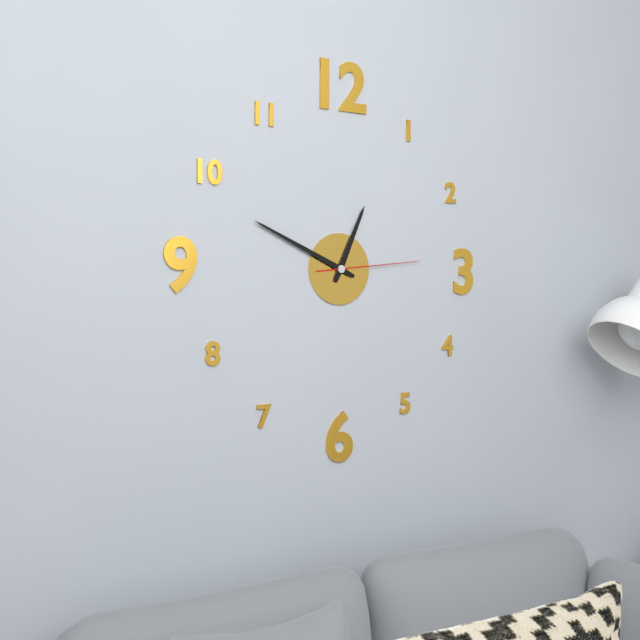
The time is **12:49:14**
